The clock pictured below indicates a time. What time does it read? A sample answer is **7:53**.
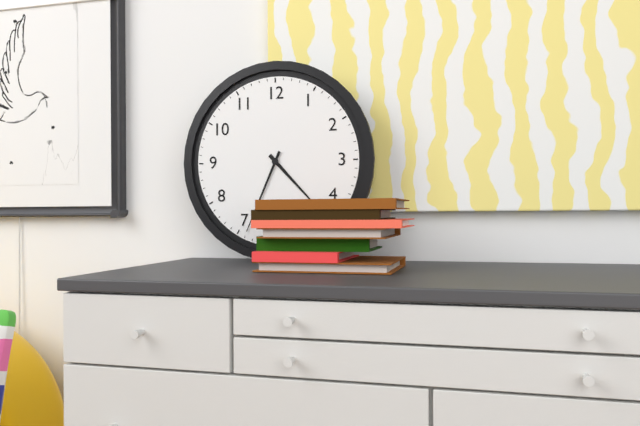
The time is **4:34**
